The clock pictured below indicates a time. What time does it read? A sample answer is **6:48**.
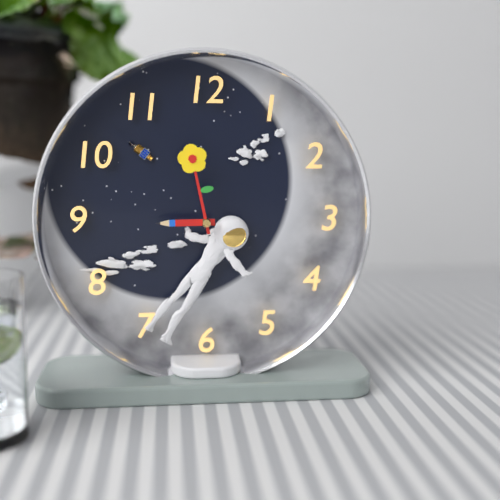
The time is **8:58**
